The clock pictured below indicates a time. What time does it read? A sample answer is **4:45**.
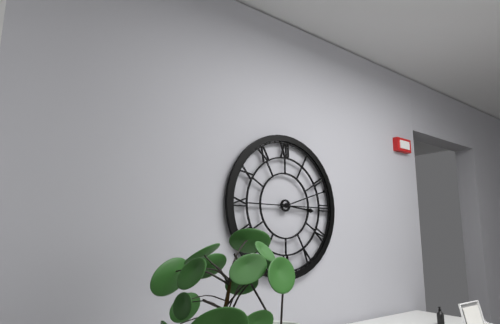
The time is **3:12**
